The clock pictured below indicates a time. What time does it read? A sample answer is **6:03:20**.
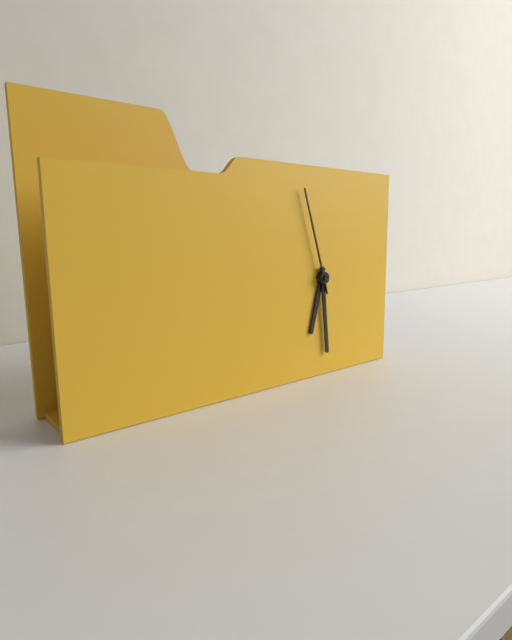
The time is **6:29:57**
